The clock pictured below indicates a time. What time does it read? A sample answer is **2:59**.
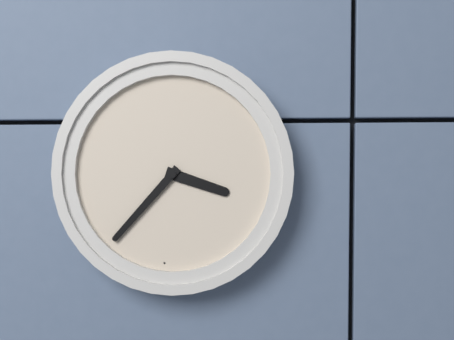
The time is **3:37**
